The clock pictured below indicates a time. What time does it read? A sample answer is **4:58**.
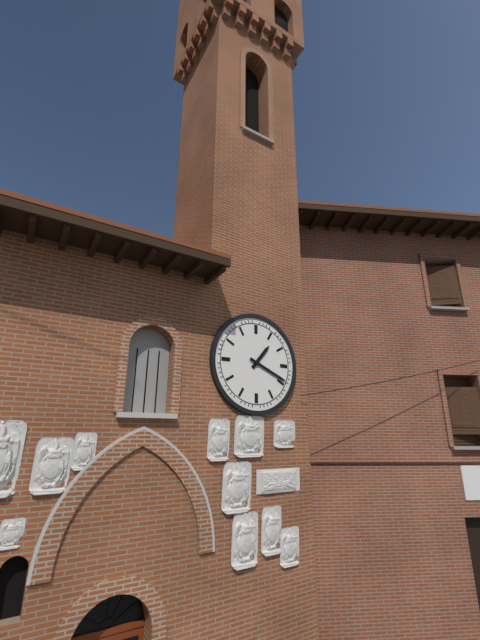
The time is **1:19**
